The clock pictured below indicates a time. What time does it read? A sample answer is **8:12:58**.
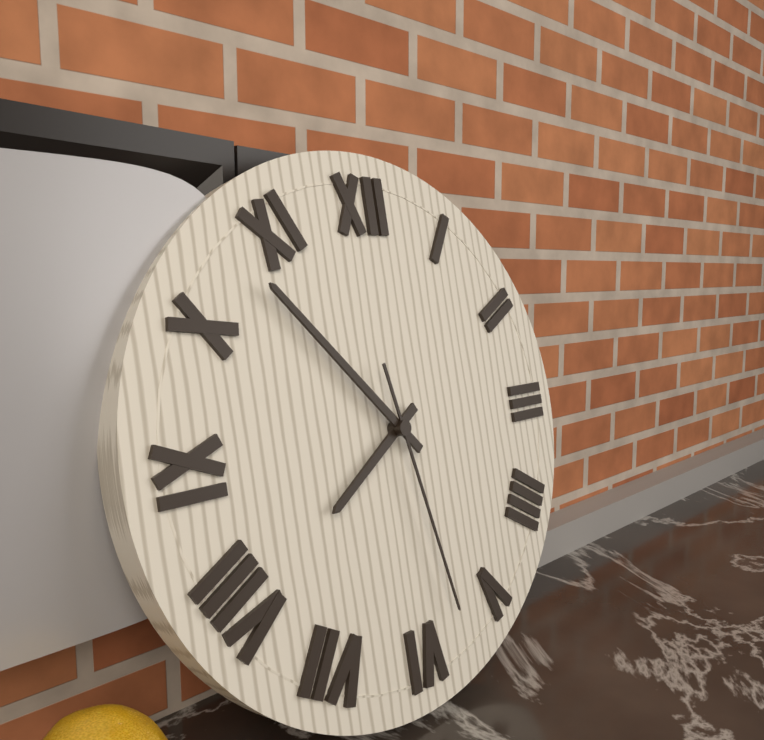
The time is **7:53:28**
